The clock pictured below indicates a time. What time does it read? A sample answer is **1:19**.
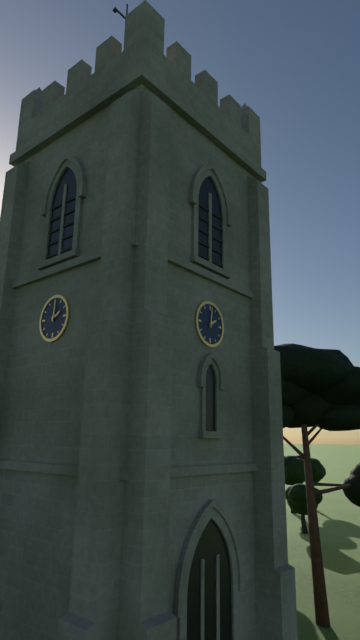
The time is **2:01**
